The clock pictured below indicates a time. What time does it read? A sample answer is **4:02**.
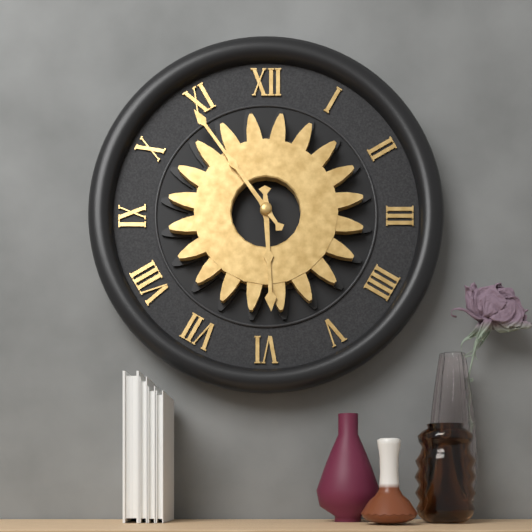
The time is **5:54**
